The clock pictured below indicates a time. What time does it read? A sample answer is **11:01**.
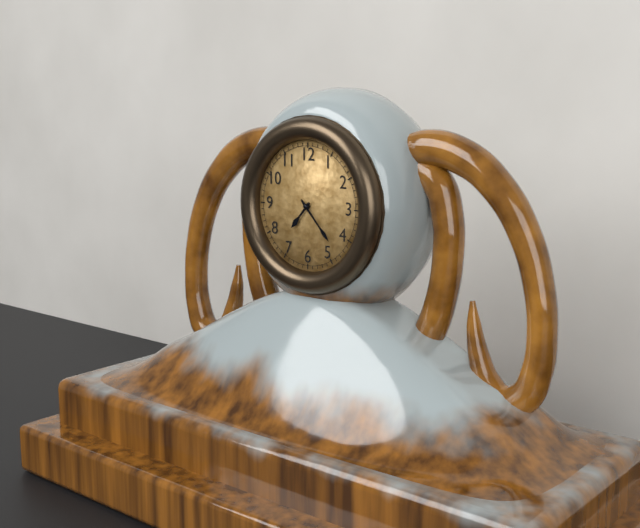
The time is **7:23**
